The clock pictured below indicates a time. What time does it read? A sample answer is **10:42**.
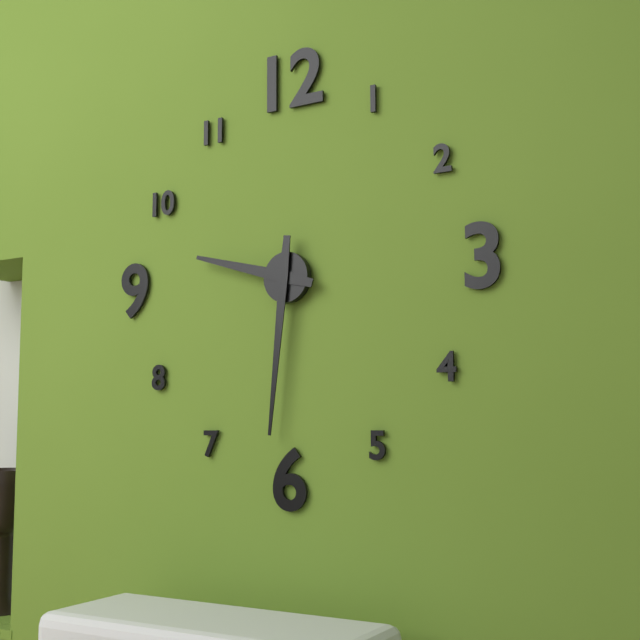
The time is **9:31**
